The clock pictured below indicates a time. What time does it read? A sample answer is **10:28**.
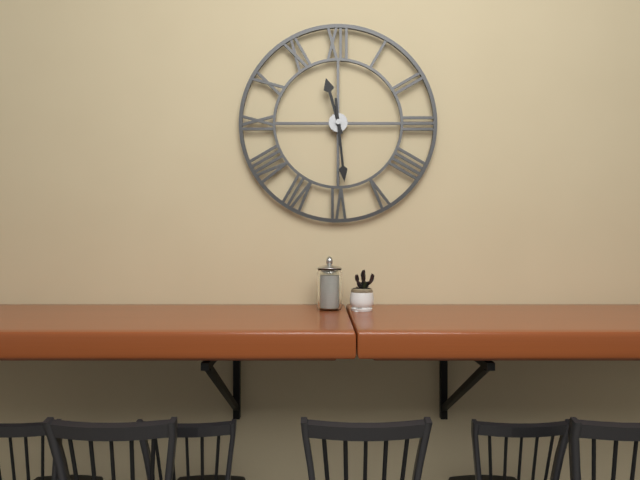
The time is **11:29**
